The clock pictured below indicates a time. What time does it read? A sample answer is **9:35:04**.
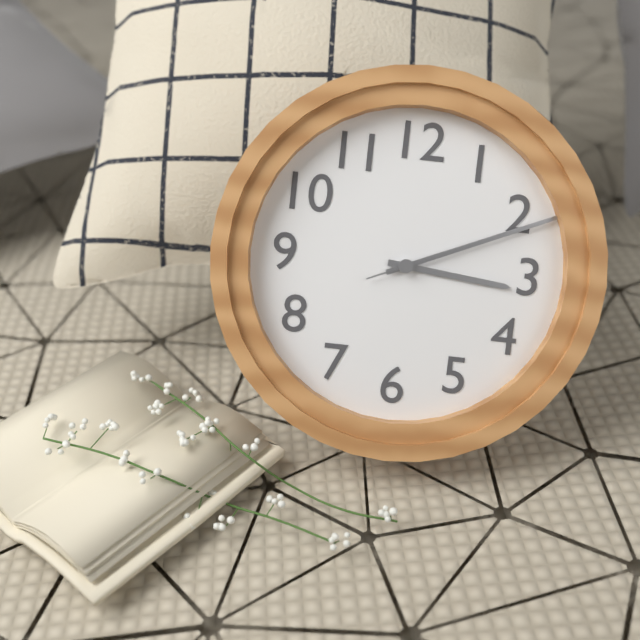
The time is **3:11:11**
